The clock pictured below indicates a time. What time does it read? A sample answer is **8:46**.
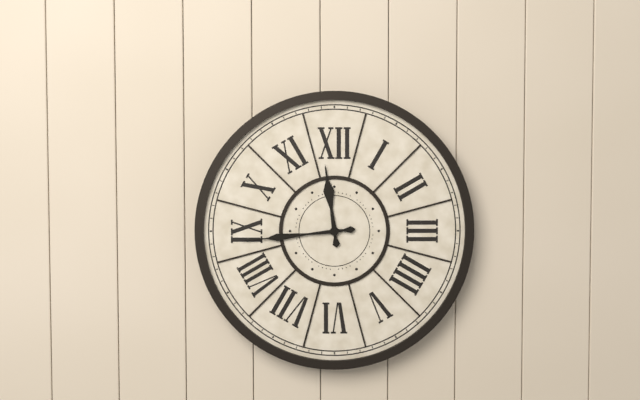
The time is **11:44**
